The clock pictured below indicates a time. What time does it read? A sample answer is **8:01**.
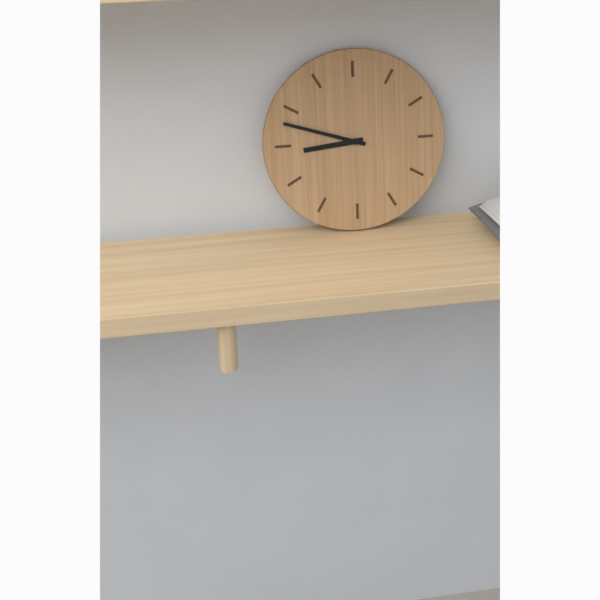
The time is **8:48**
